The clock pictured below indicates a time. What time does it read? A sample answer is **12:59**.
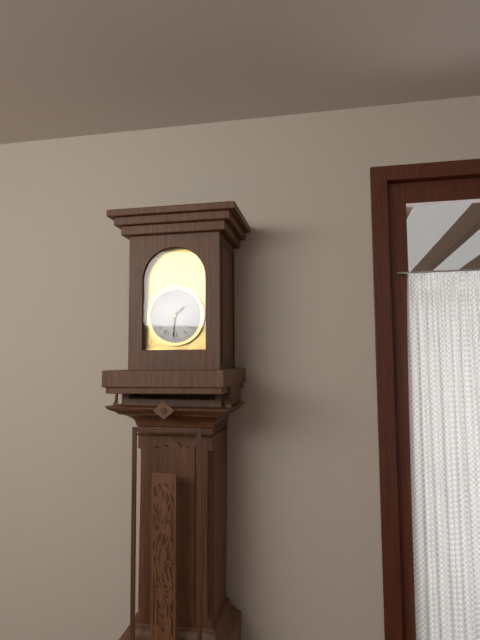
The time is **1:31**
